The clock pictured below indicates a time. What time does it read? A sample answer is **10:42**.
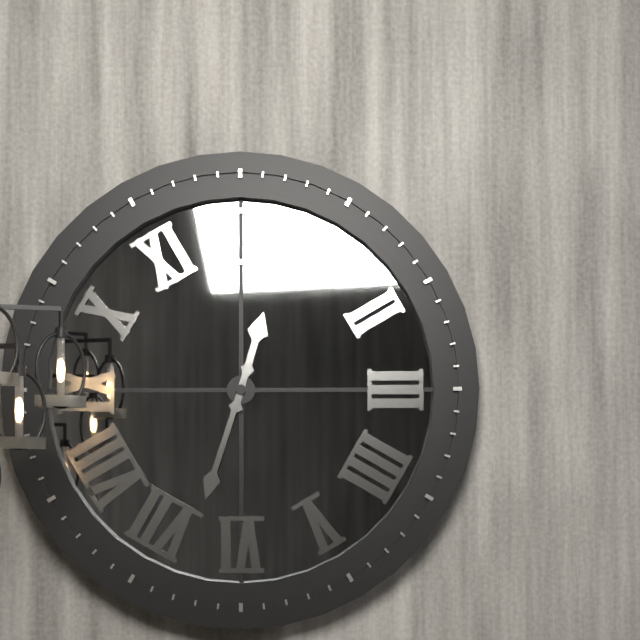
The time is **12:33**
